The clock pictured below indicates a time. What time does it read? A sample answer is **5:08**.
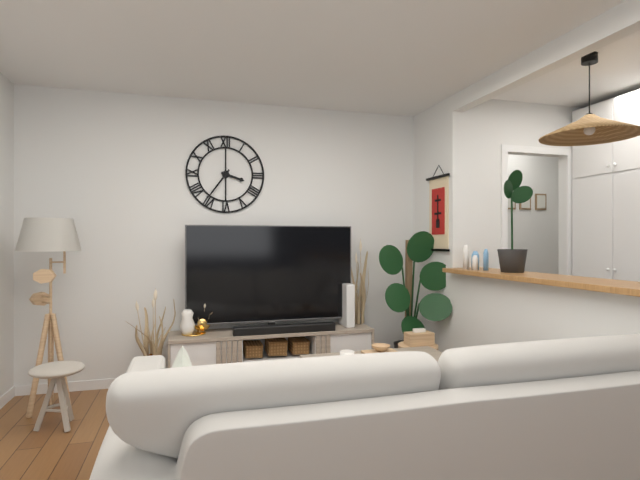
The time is **3:36**
